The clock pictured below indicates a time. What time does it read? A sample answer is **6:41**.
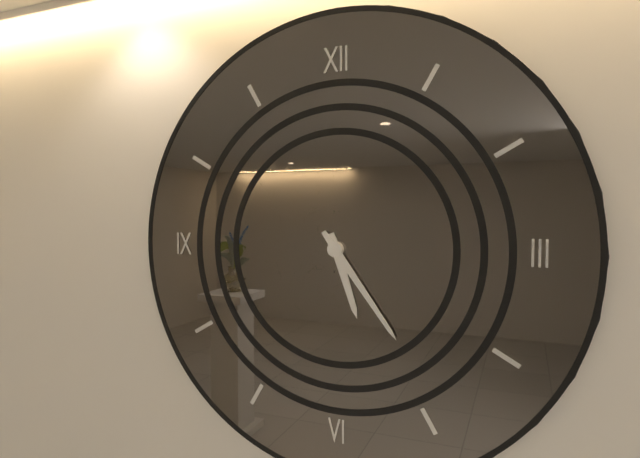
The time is **5:24**
